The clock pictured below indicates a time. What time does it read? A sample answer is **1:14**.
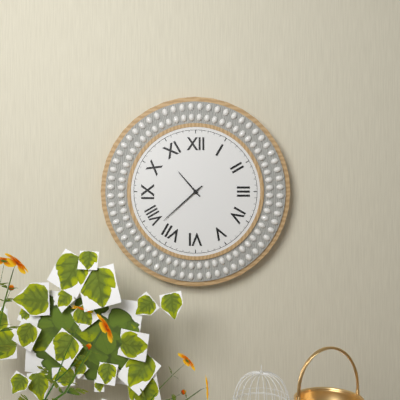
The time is **10:38**
